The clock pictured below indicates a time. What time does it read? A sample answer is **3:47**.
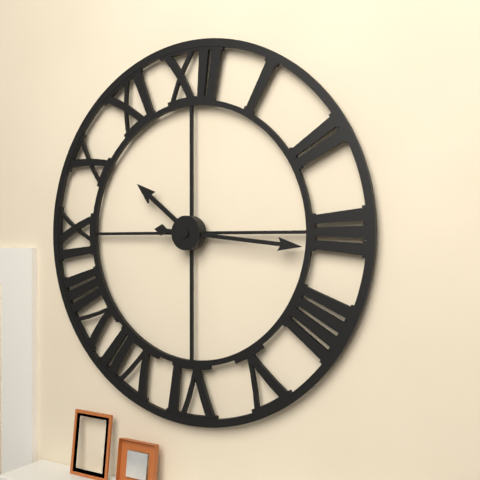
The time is **10:16**
